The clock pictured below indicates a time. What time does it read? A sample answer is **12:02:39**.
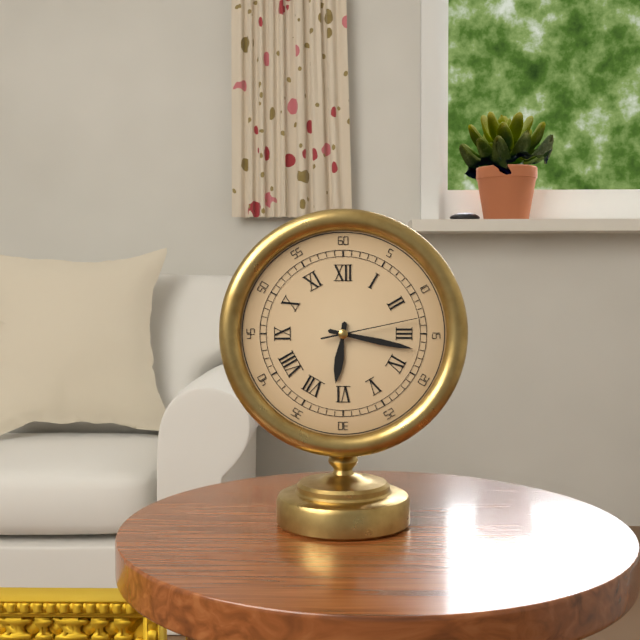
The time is **6:17:13**
